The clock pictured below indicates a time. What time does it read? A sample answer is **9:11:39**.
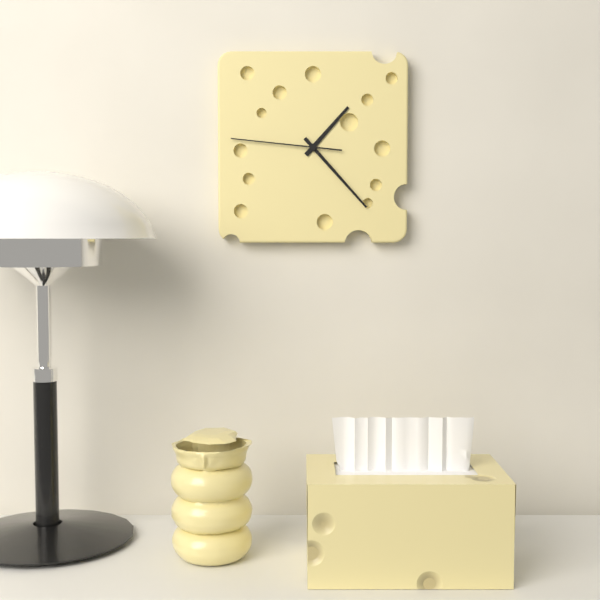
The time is **1:23:46**
